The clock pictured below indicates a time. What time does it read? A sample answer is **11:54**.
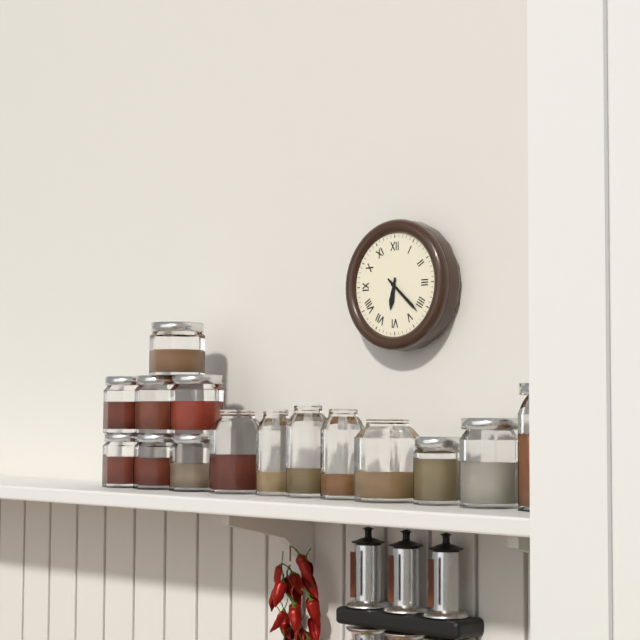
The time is **6:22**
